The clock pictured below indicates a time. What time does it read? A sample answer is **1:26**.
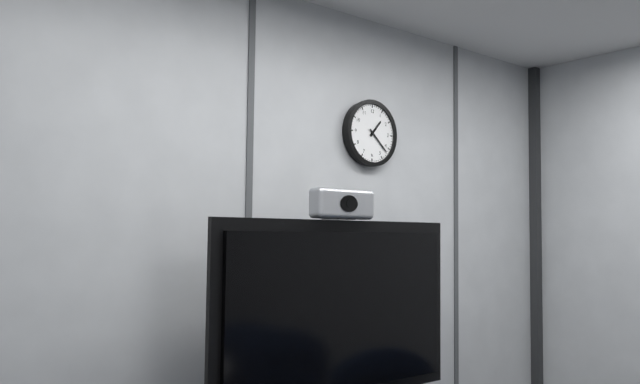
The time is **1:22**
